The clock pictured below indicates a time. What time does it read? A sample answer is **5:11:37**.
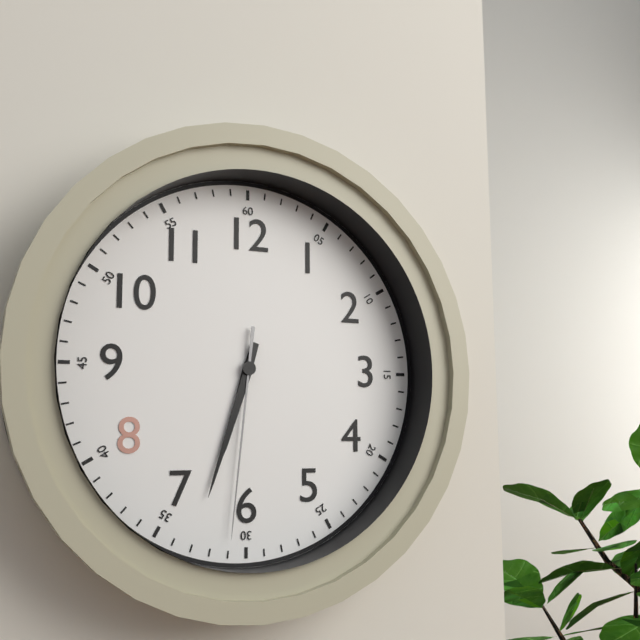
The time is **6:33:31**
